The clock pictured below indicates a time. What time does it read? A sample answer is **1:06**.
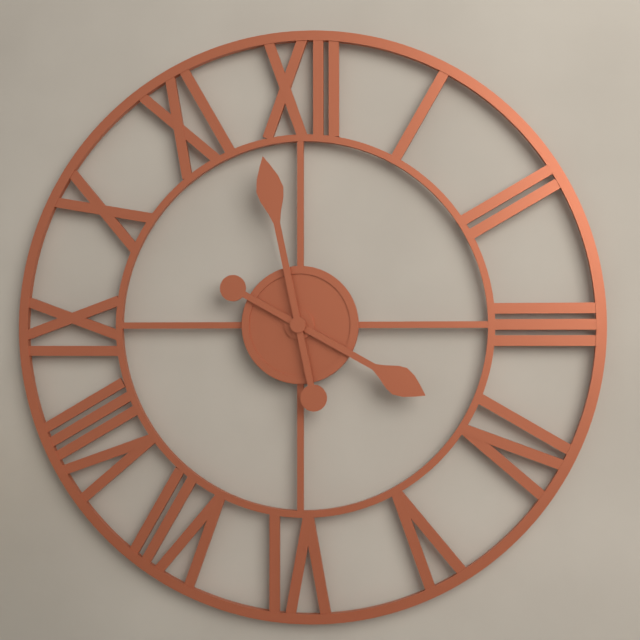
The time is **3:58**
